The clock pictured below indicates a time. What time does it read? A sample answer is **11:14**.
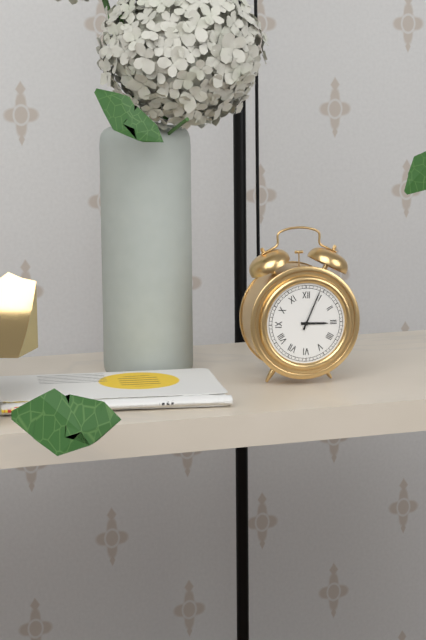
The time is **3:04**
